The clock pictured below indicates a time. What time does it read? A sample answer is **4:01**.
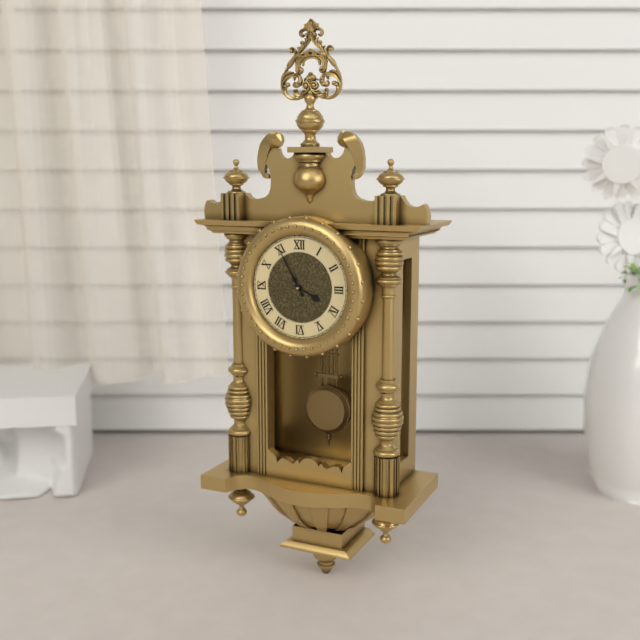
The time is **3:55**
